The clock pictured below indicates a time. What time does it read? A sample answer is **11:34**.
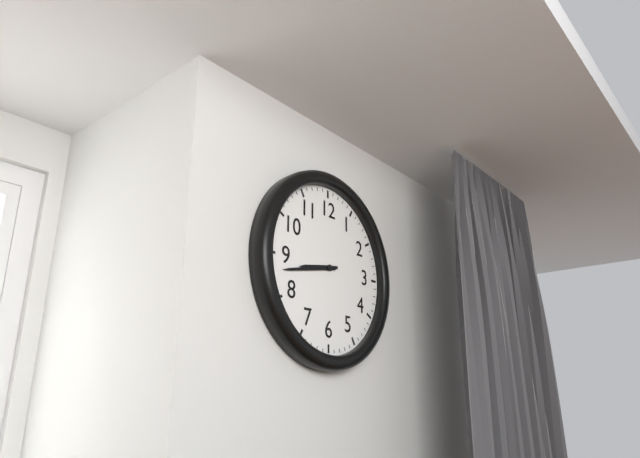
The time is **8:43**
